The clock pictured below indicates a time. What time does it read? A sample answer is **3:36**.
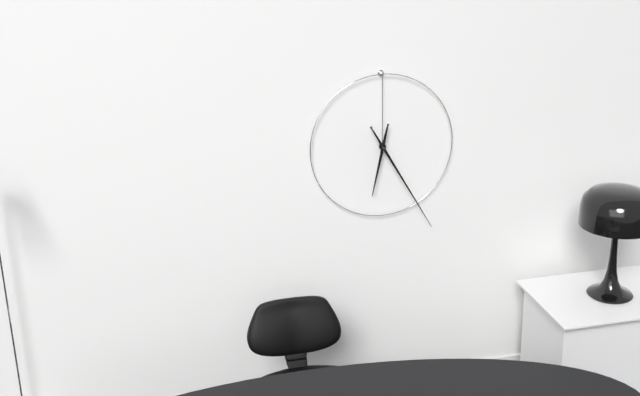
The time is **6:25**
